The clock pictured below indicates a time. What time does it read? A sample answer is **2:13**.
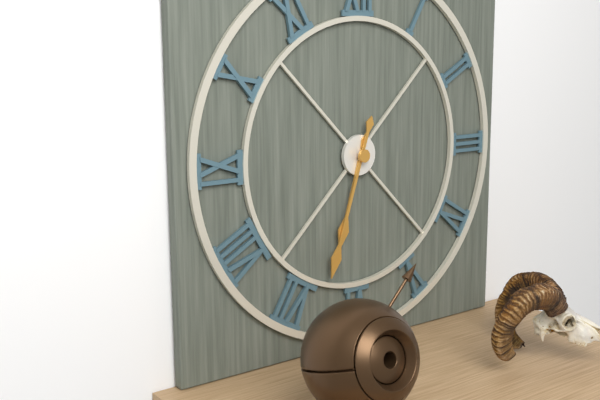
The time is **6:33**
